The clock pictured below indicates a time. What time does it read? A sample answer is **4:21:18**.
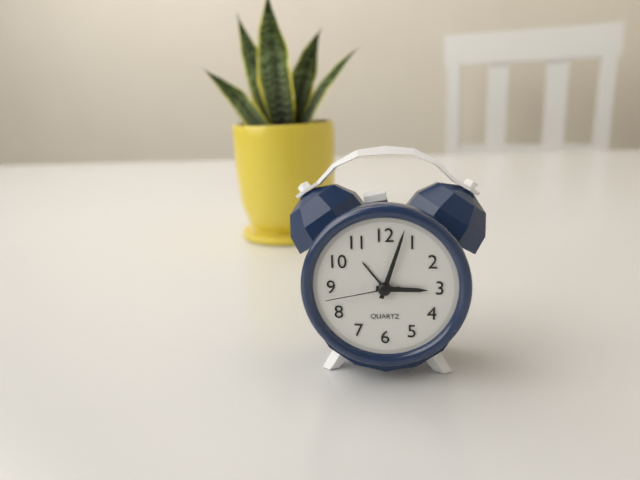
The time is **3:03:43**
